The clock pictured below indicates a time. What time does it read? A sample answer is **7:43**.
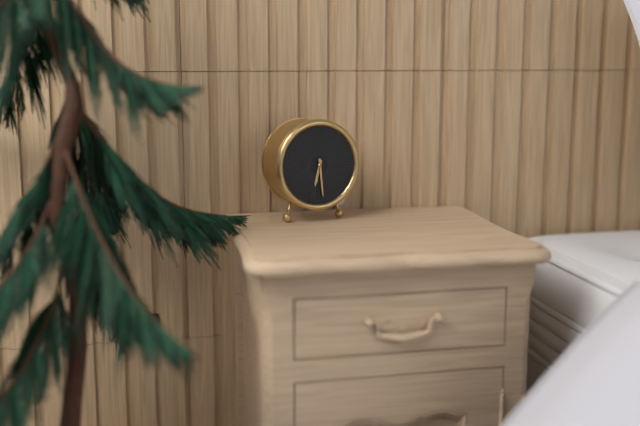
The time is **6:29**
